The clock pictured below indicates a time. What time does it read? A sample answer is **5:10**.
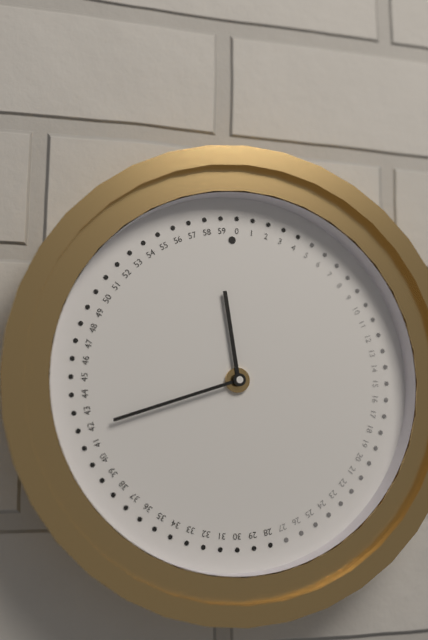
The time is **11:42**
